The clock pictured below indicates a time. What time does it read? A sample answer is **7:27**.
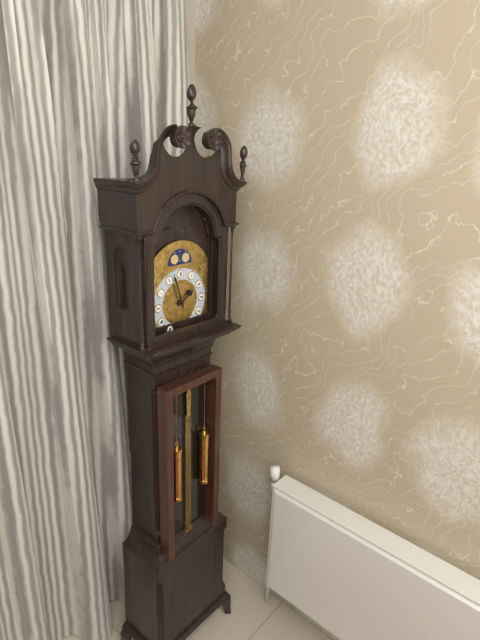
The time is **1:57**
